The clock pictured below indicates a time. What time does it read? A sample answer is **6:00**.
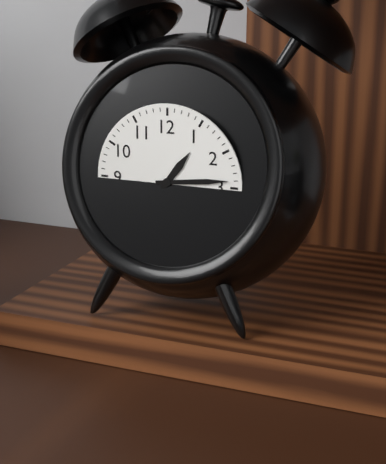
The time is **1:14**
